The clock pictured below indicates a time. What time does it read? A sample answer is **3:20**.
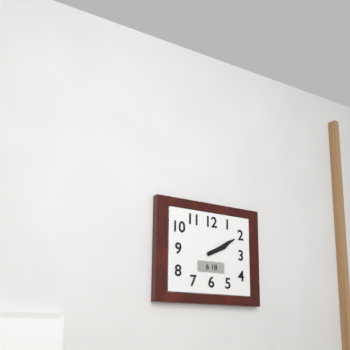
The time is **2:10**
